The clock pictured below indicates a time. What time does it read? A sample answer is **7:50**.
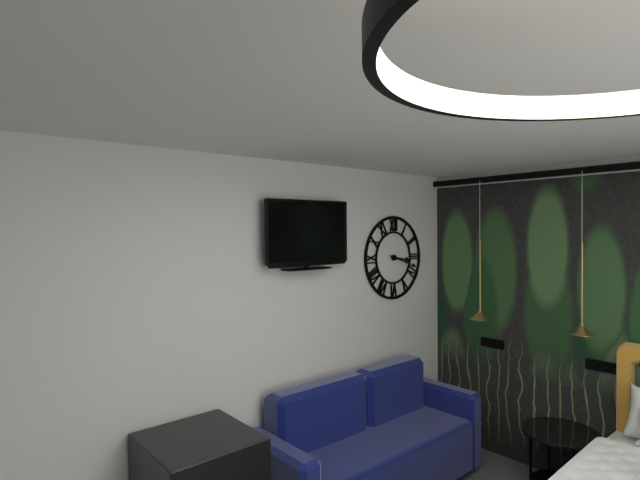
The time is **3:18**
